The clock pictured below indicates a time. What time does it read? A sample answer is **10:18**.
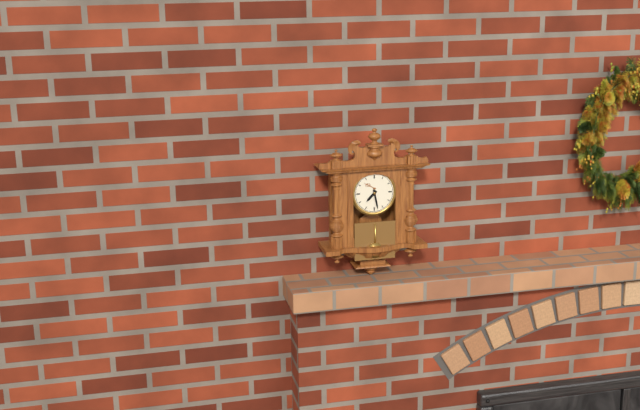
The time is **7:28**
